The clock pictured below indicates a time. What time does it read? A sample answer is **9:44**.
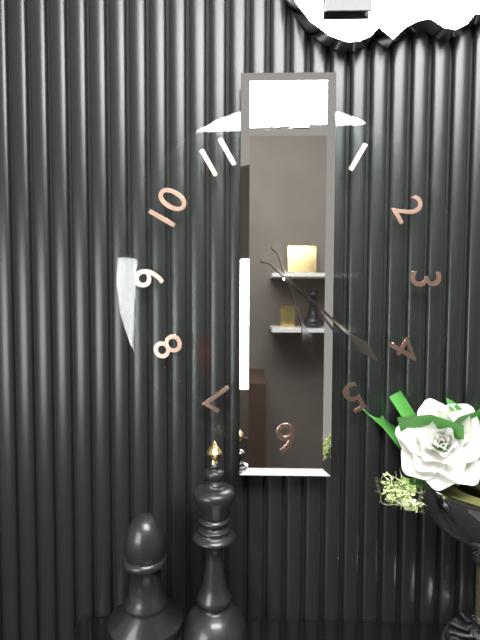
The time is **5:22**
